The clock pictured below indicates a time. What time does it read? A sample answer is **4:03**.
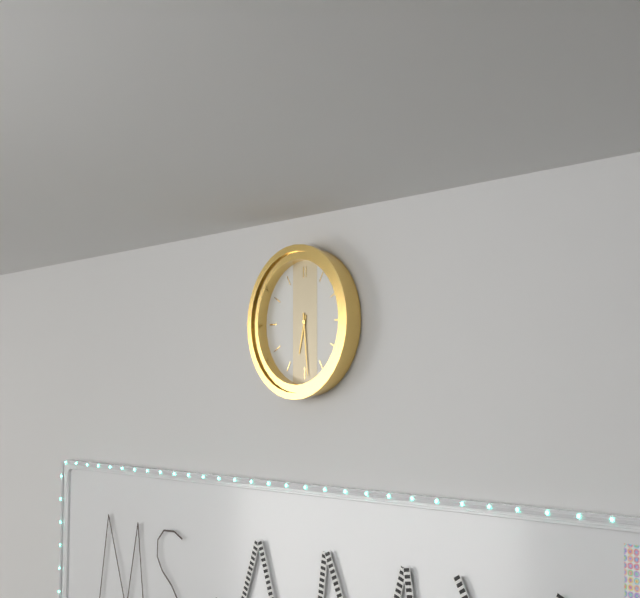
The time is **6:29**
